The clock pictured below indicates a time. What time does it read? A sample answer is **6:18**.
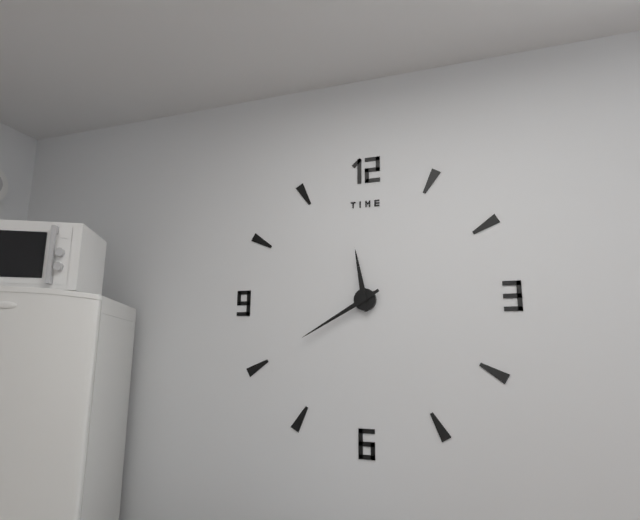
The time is **11:40**
